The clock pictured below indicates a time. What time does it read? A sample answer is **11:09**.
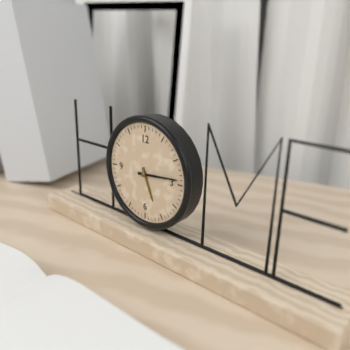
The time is **5:14**
